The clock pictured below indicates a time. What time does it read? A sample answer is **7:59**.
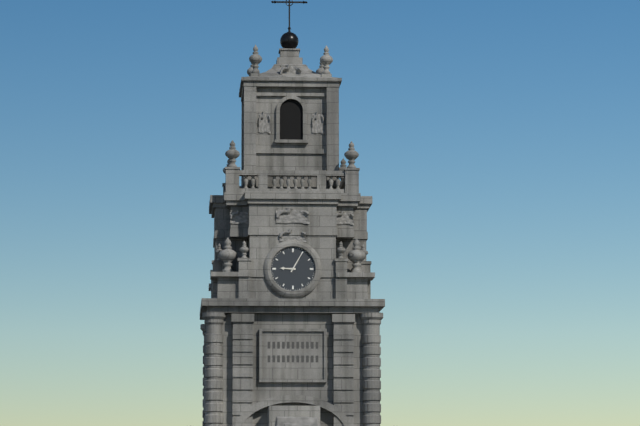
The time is **9:05**
